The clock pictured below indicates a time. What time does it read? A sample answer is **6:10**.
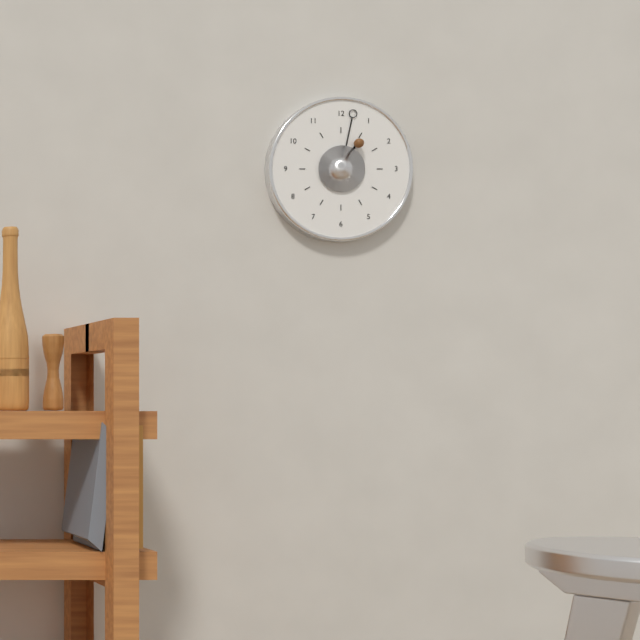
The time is **1:02**
